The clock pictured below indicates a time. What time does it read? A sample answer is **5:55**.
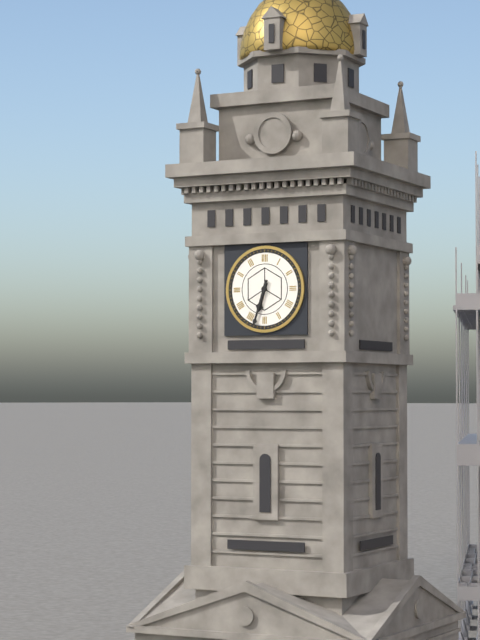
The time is **6:33**
